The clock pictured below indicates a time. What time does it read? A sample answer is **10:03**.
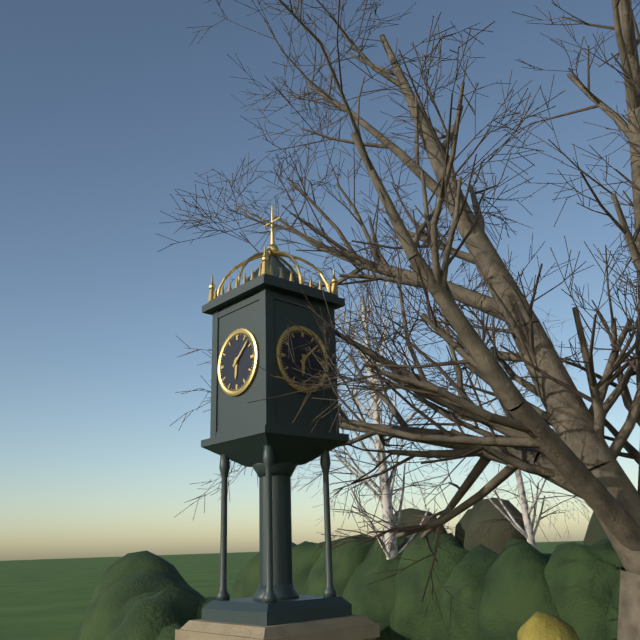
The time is **6:08**
